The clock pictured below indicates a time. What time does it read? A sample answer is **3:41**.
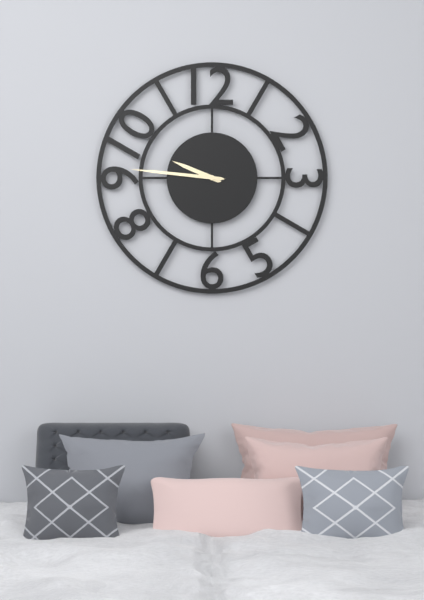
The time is **9:46**
